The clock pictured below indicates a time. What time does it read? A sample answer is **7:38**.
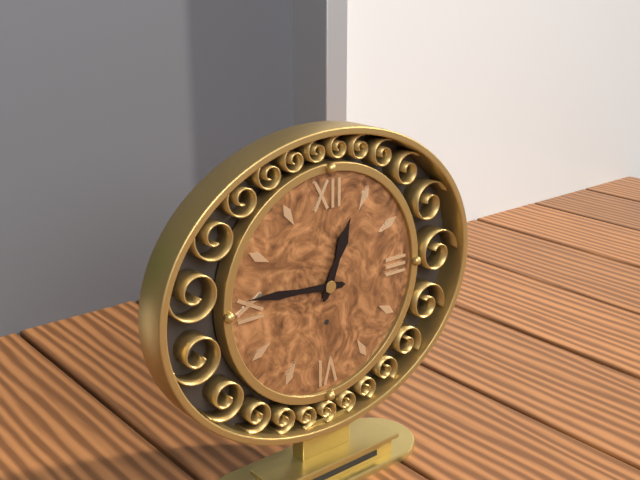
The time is **12:46**
